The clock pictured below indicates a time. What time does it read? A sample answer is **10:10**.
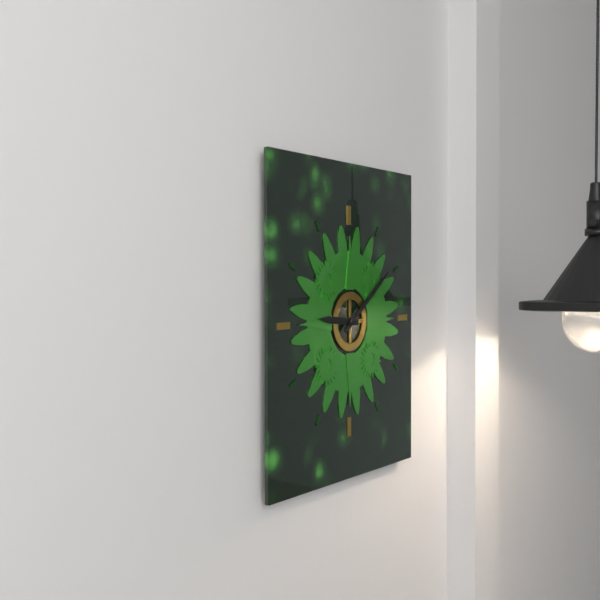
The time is **9:09**
